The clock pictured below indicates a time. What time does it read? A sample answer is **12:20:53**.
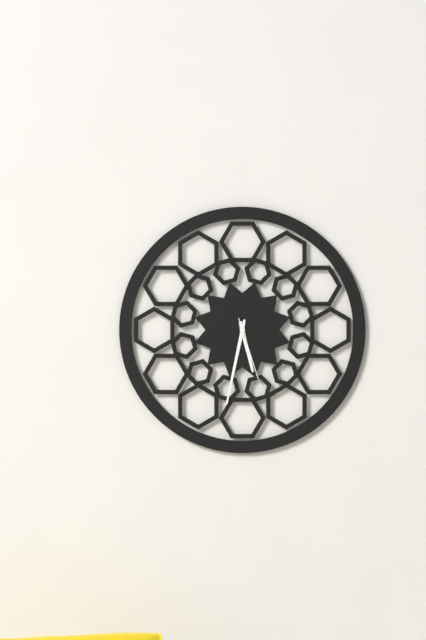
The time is **5:32:27**
